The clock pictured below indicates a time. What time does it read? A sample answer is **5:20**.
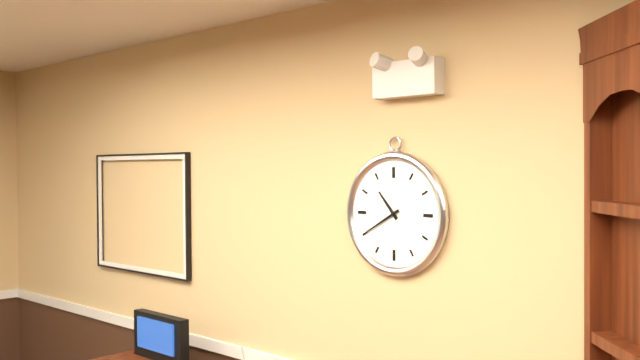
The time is **10:40**
